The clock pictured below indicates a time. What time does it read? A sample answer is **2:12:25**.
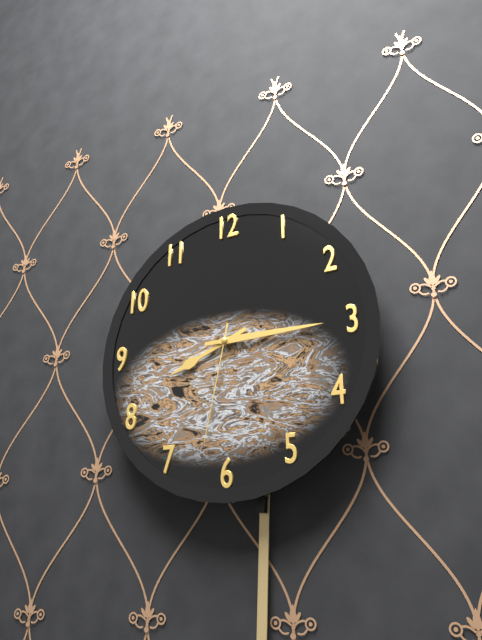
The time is **8:15:32**
